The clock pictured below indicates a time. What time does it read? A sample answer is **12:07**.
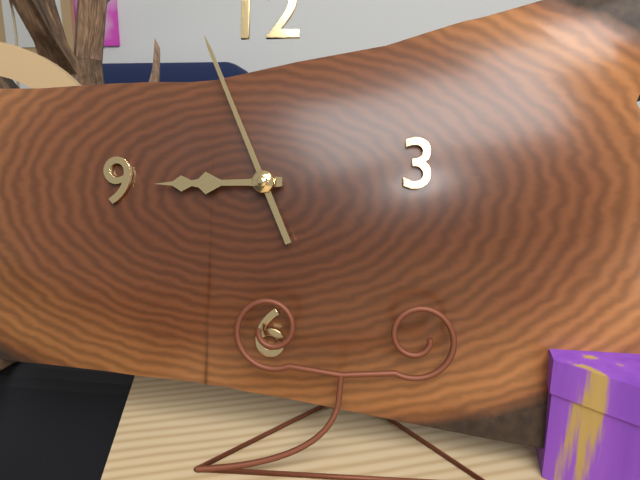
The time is **8:56**
